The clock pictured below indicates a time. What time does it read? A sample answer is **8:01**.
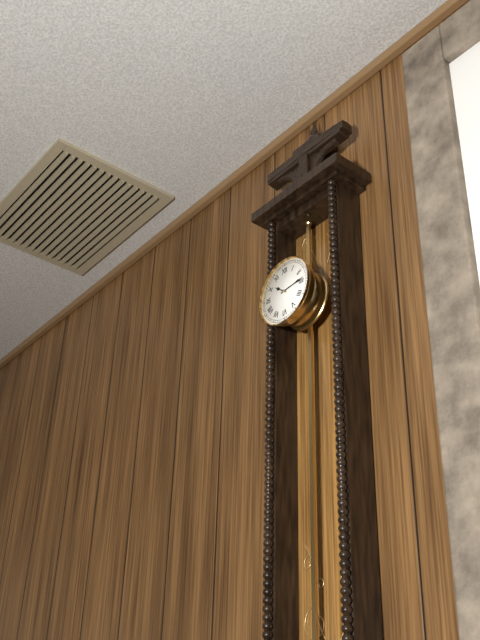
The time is **10:14**
